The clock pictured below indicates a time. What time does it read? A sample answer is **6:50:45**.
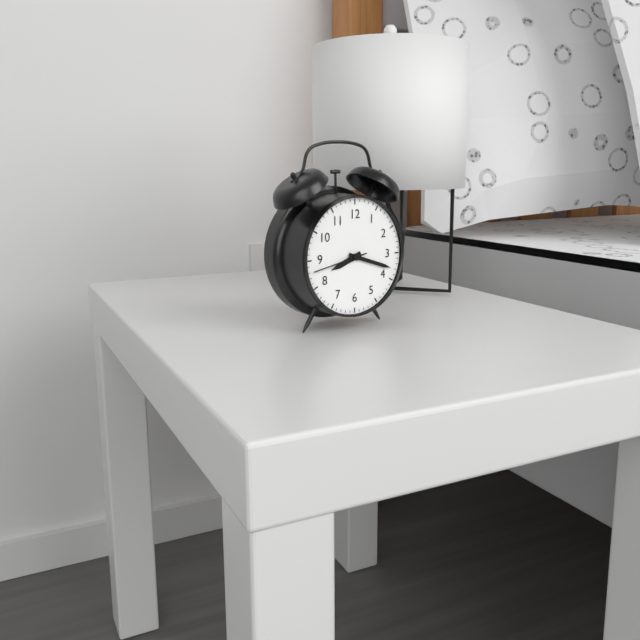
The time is **8:18:43**
